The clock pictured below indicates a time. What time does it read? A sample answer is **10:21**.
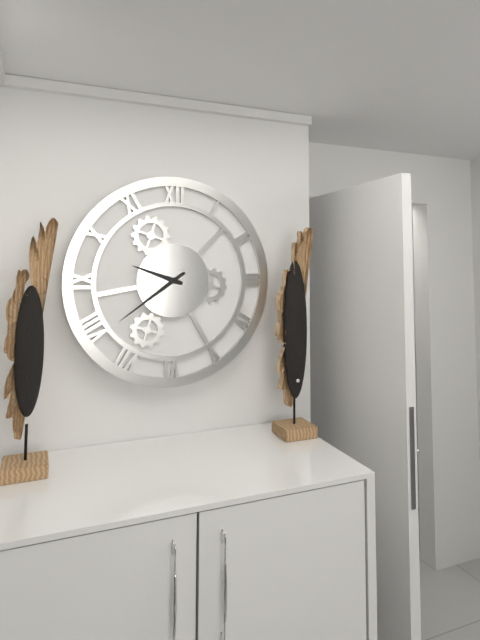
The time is **9:39**
